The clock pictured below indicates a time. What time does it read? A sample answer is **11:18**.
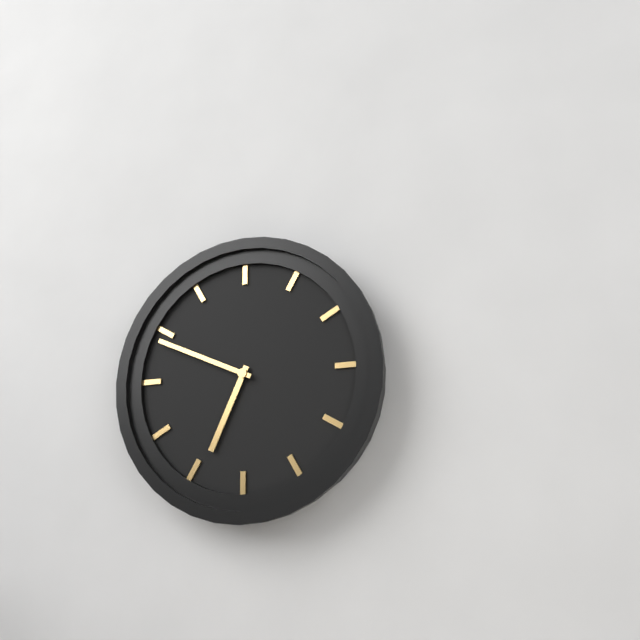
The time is **6:49**
